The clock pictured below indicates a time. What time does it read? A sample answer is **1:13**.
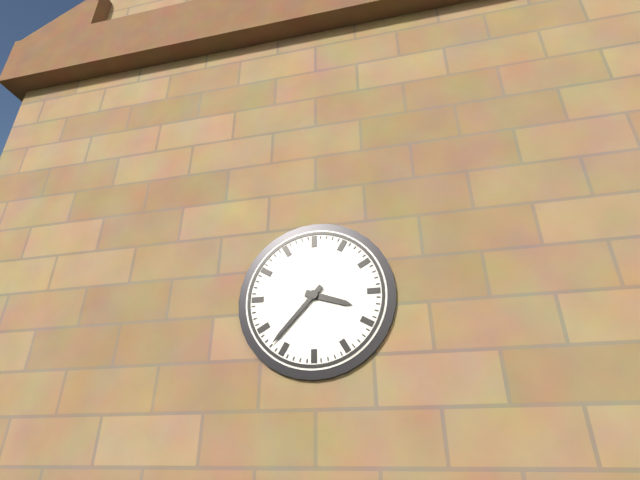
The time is **3:37**
